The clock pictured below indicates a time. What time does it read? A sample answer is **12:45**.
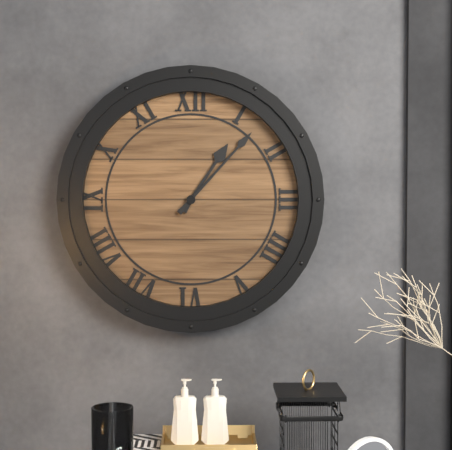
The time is **1:07**
